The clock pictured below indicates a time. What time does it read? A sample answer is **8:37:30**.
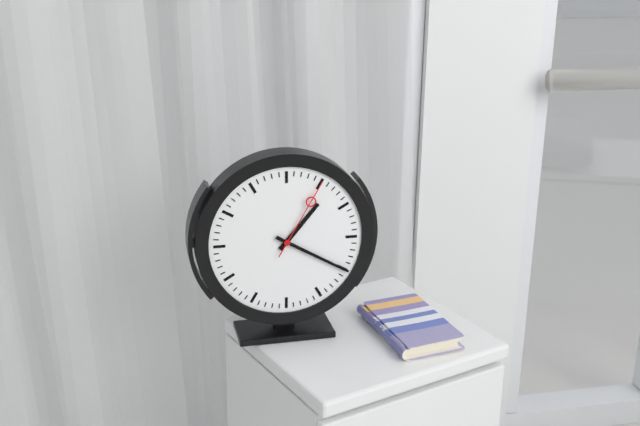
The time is **1:20:05**
